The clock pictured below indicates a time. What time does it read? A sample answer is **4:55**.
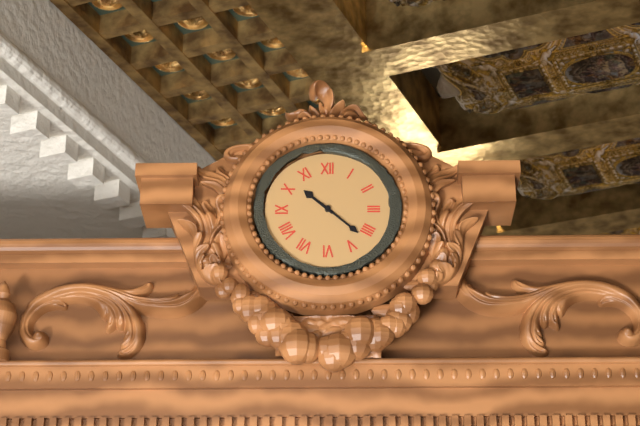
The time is **10:22**
